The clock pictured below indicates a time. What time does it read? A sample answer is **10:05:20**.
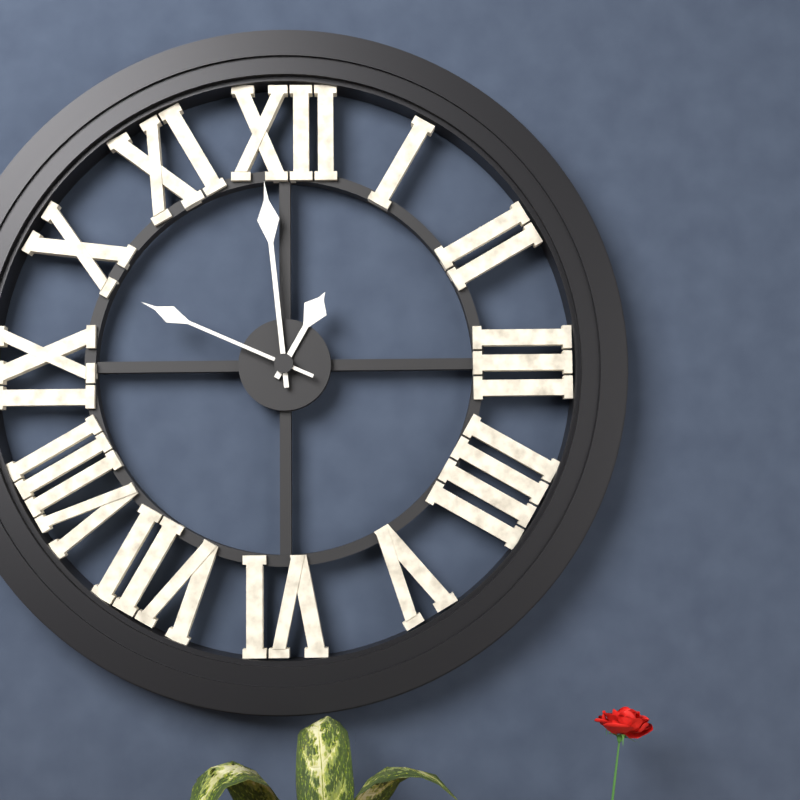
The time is **12:59:49**
